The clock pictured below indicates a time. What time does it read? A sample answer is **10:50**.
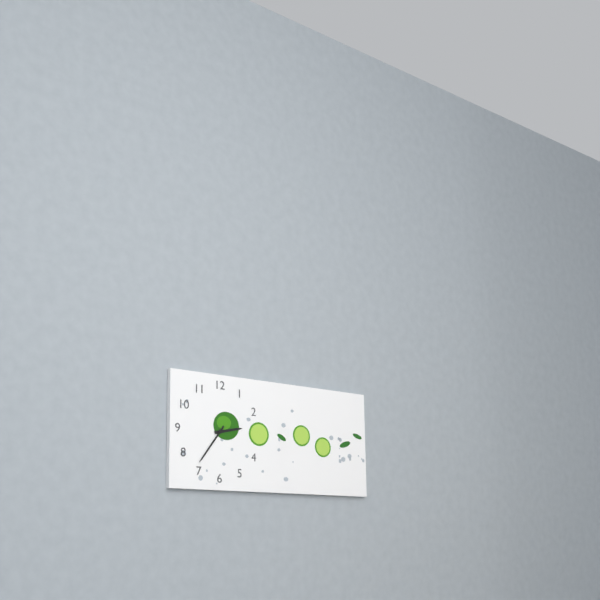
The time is **2:36**
